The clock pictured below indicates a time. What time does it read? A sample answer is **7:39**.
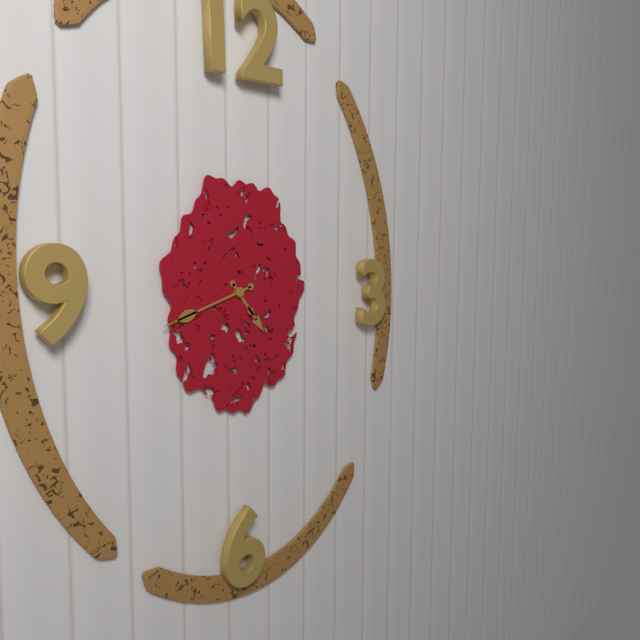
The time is **4:42**
